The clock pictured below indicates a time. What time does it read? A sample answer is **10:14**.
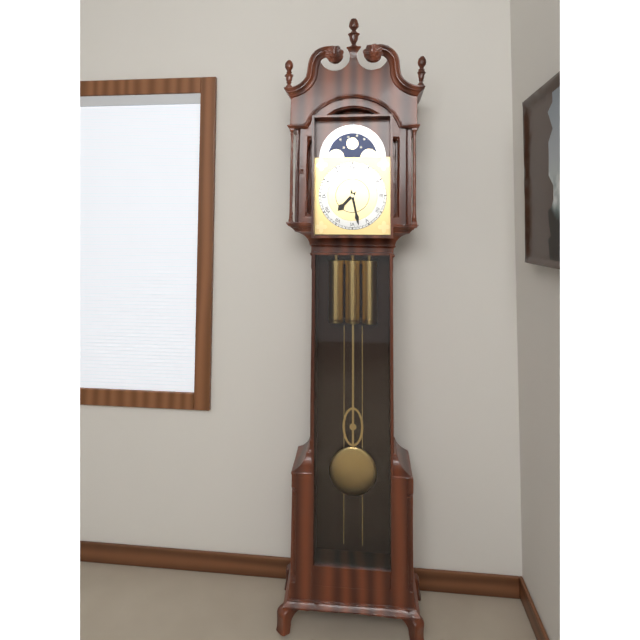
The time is **7:28**
